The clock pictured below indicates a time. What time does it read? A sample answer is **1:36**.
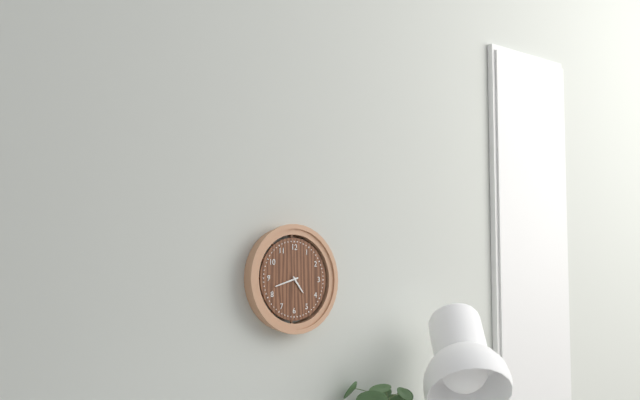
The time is **4:42**
